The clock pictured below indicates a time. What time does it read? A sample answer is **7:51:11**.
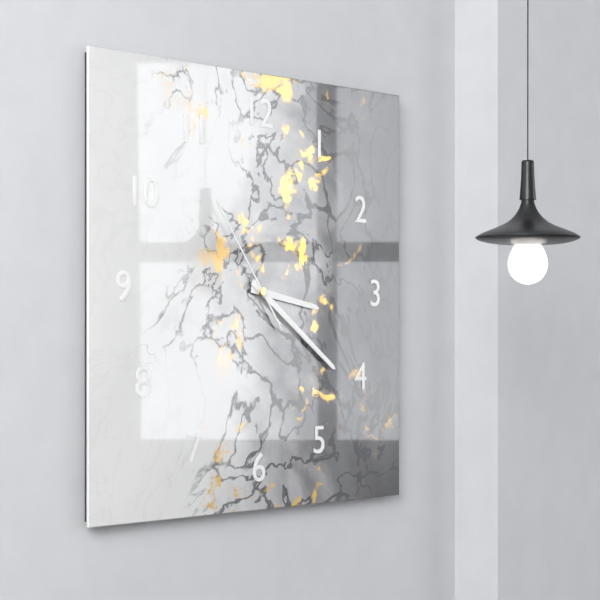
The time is **3:21:54**
